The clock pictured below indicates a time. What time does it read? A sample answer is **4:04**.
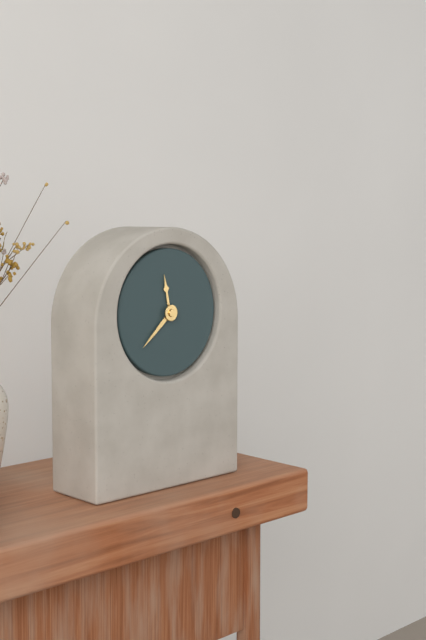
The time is **11:38**
